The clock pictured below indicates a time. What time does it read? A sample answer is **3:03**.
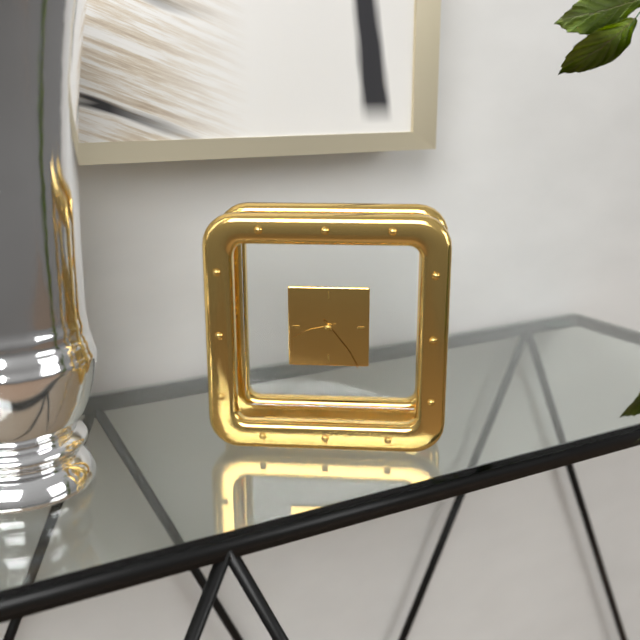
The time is **8:24**
